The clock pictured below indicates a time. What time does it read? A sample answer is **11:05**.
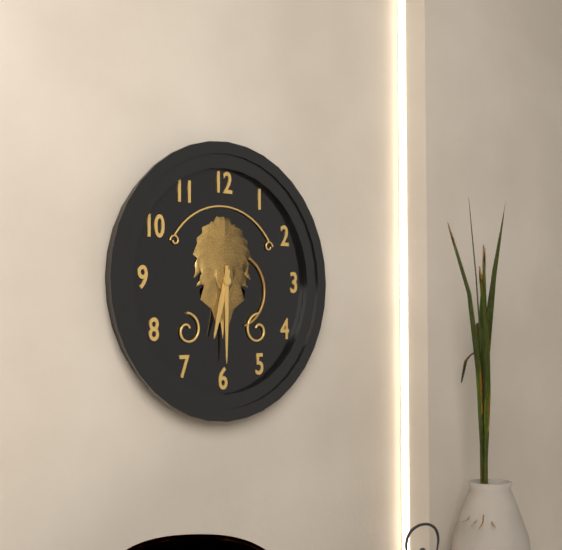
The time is **6:30**
